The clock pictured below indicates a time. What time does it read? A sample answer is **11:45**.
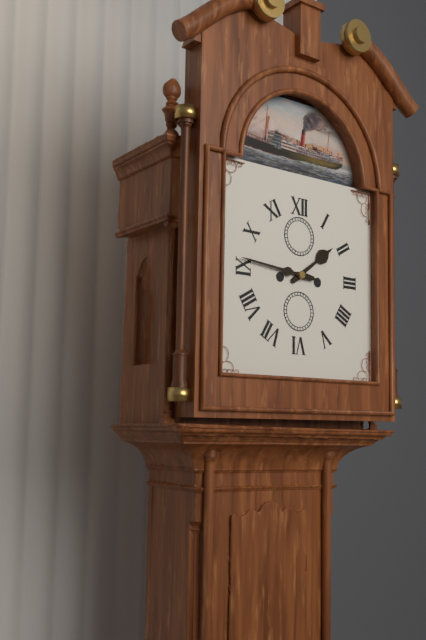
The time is **1:46**
